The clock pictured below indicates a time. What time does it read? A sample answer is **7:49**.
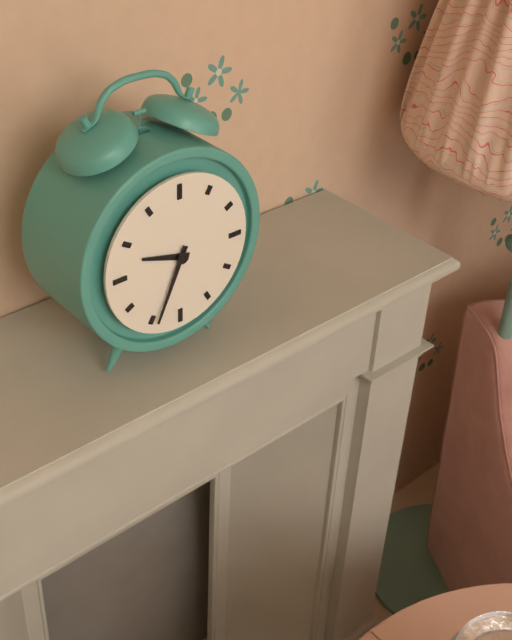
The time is **9:34**
